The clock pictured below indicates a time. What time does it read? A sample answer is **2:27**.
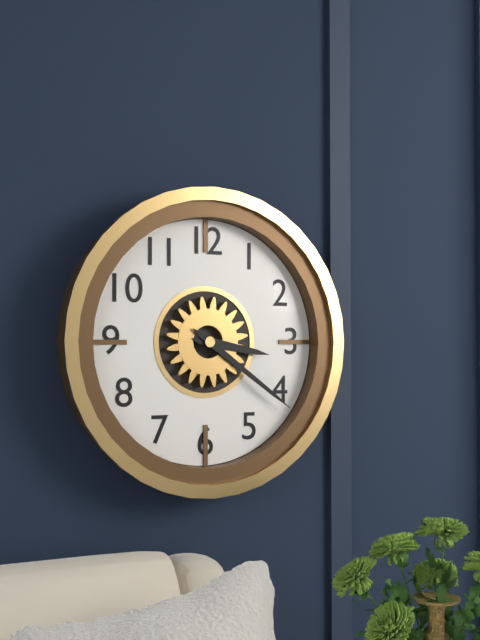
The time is **3:21**
